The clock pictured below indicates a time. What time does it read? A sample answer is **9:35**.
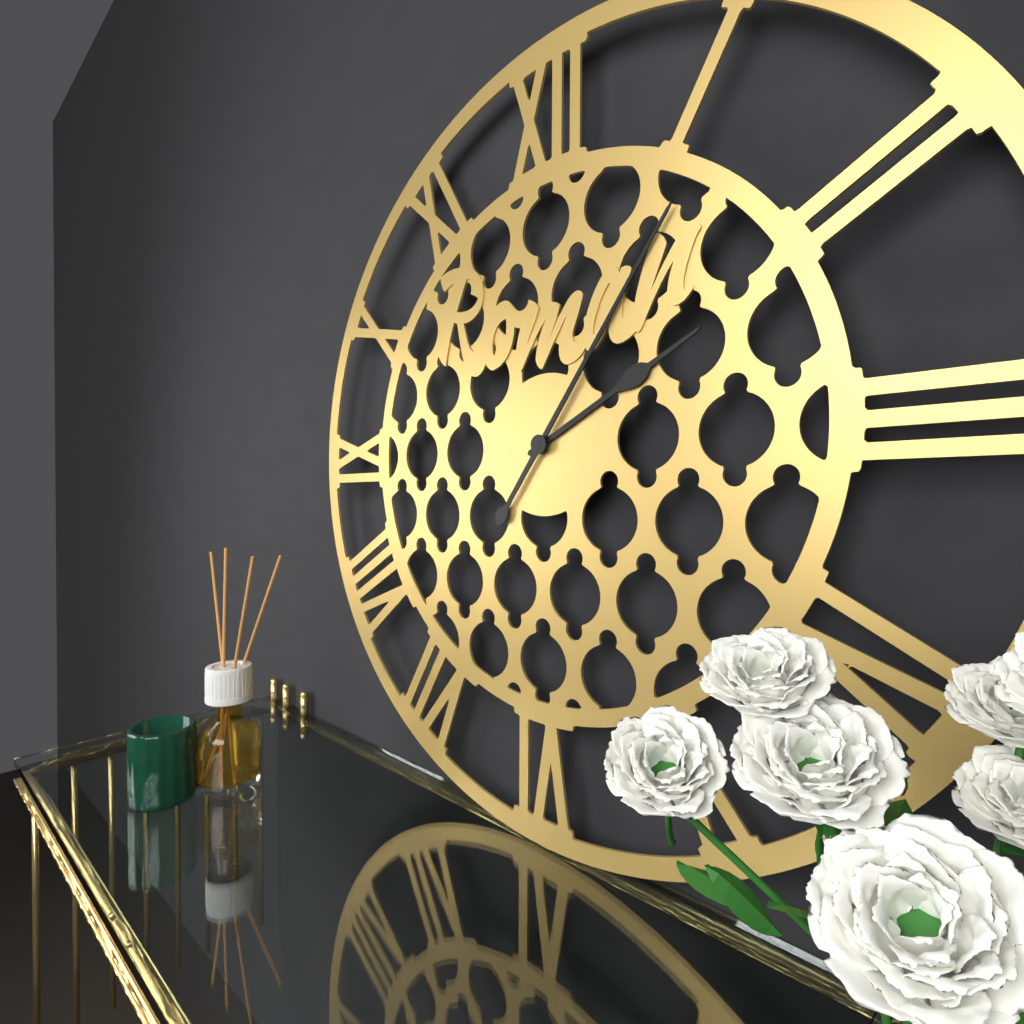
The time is **2:06**
